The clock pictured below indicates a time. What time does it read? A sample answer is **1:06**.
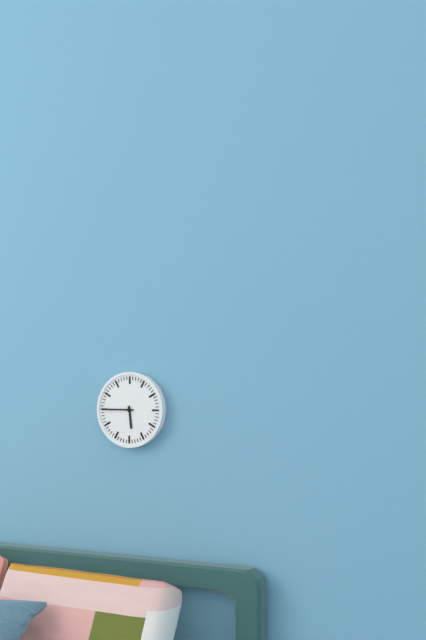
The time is **5:45**
